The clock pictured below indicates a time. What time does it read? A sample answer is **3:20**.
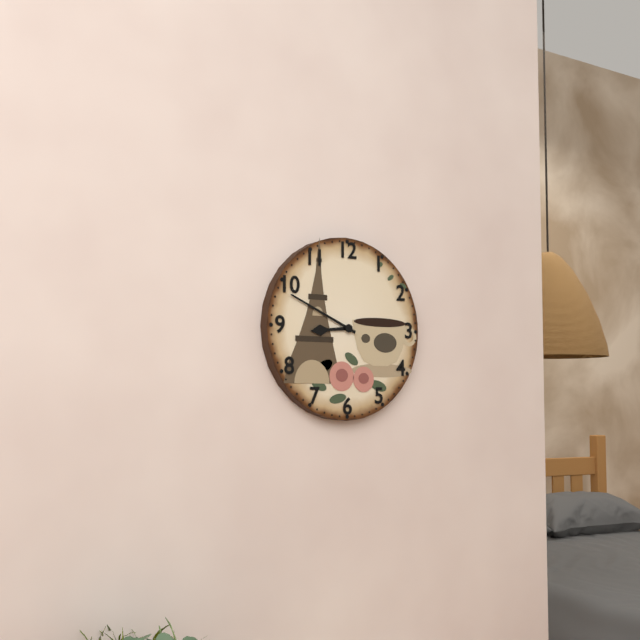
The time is **8:49**
